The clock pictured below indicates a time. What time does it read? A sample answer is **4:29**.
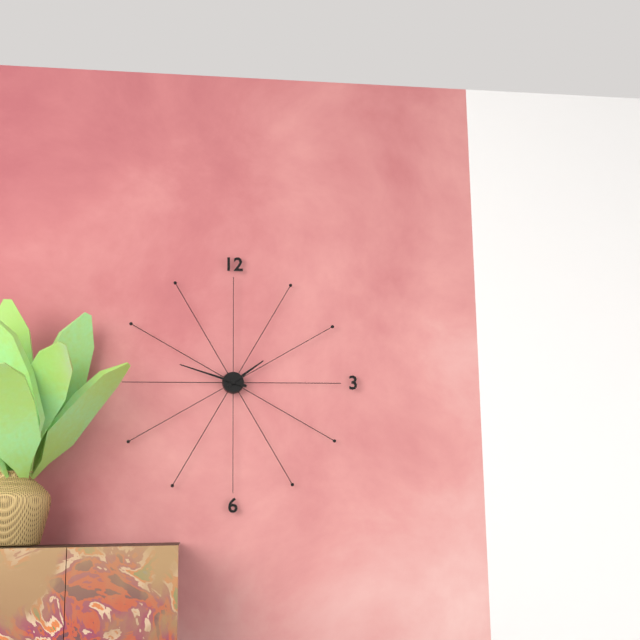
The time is **1:48**
